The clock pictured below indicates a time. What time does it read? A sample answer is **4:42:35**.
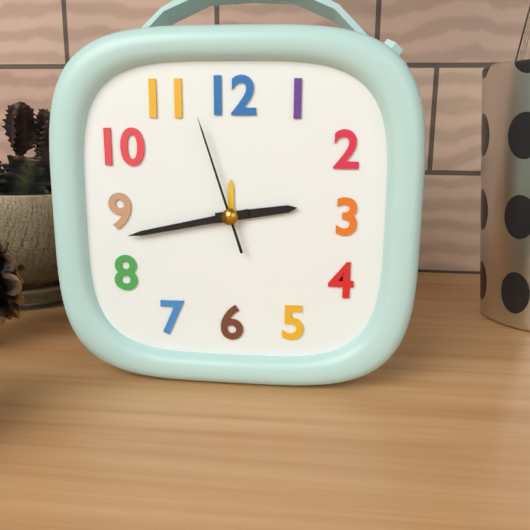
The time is **2:43:57**
